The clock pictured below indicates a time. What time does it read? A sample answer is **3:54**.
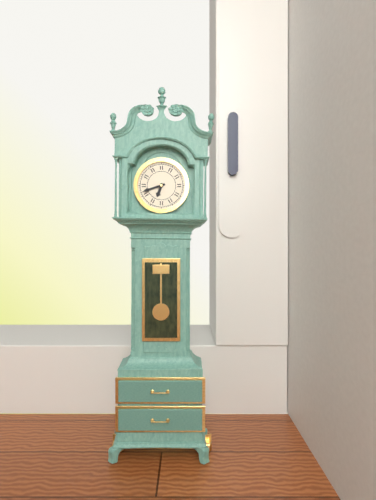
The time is **6:42**
